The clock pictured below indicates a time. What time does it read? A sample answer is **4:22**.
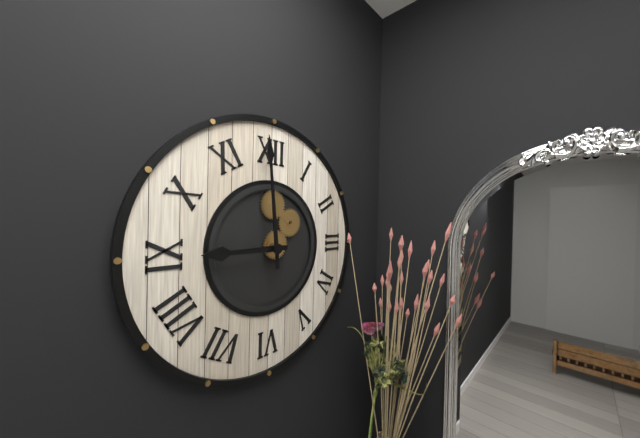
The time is **8:59**
